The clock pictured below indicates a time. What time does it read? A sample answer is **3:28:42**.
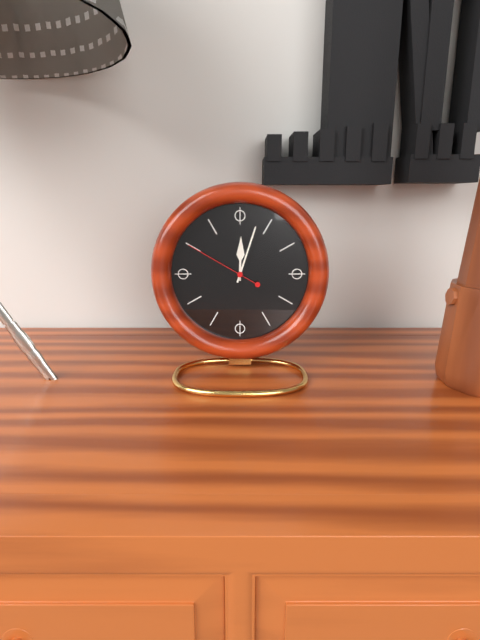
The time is **12:03:50**
